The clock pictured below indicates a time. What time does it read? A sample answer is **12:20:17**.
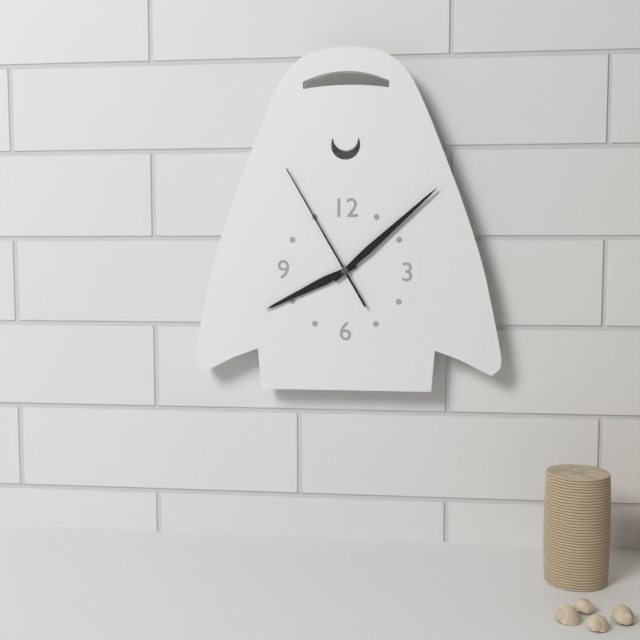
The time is **8:08:55**
